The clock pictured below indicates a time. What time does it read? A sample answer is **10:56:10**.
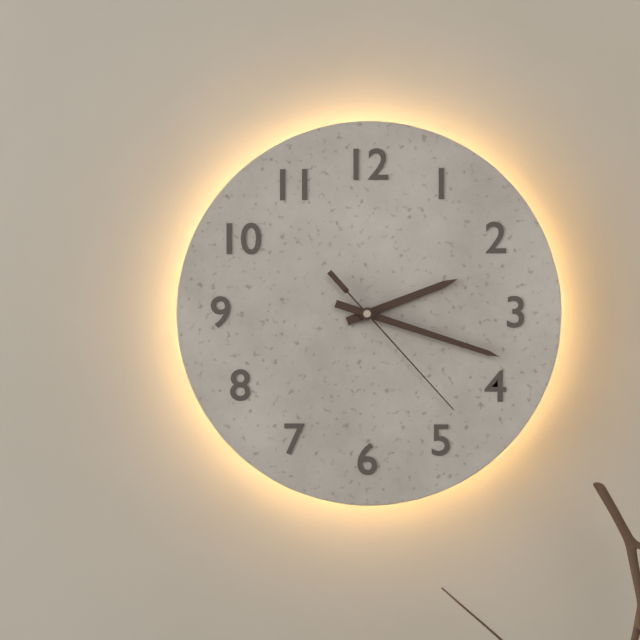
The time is **2:18:23**
